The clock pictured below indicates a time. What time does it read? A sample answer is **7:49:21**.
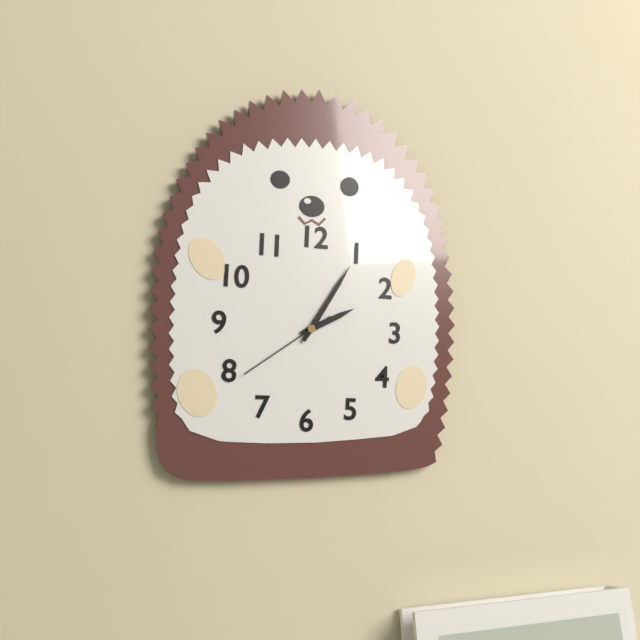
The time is **2:05:39**
